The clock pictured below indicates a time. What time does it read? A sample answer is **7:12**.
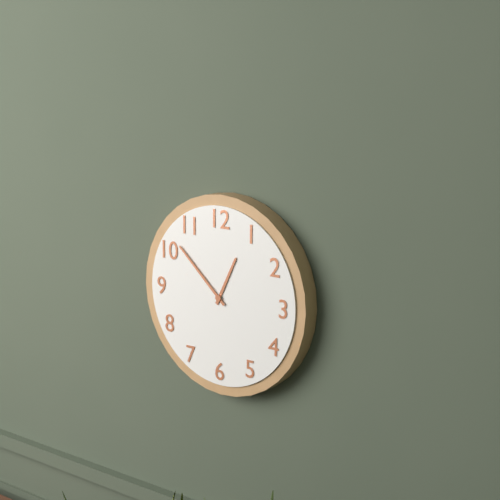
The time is **12:52**
